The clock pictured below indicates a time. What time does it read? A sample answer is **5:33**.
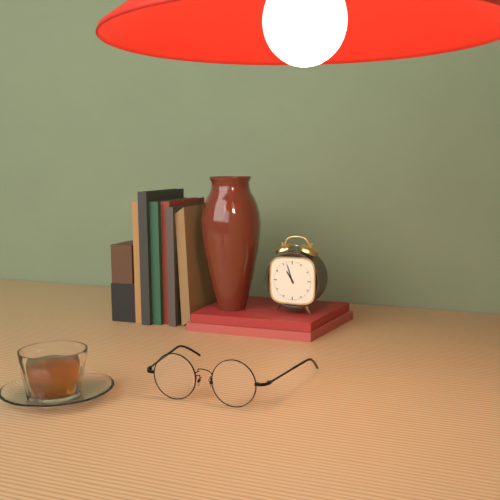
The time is **10:57**
